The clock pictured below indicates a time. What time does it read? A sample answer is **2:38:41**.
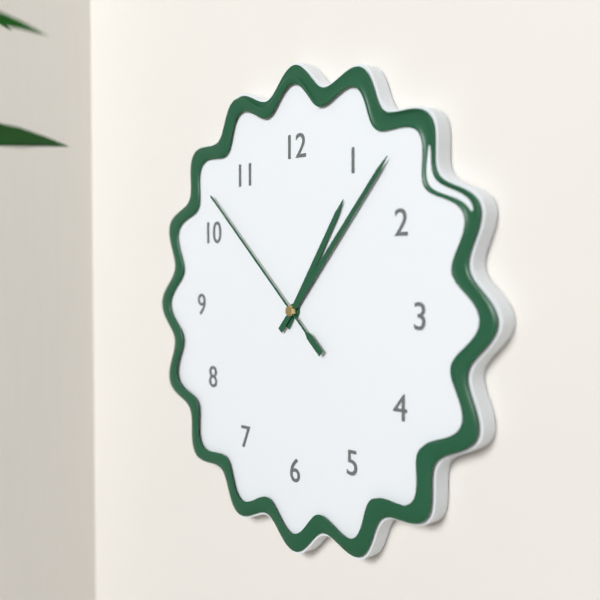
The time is **1:07:52**
